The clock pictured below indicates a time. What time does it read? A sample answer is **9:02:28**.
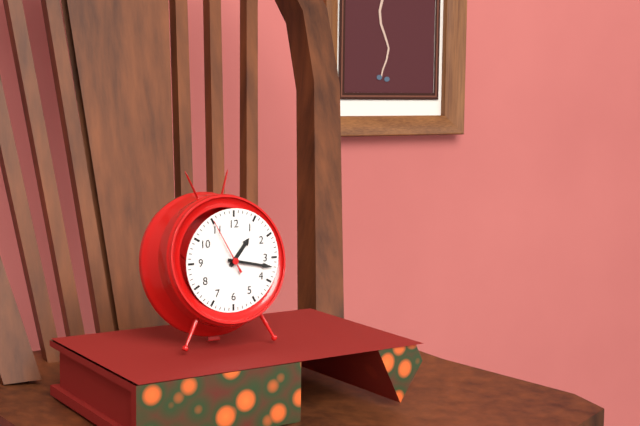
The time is **1:17:55**
